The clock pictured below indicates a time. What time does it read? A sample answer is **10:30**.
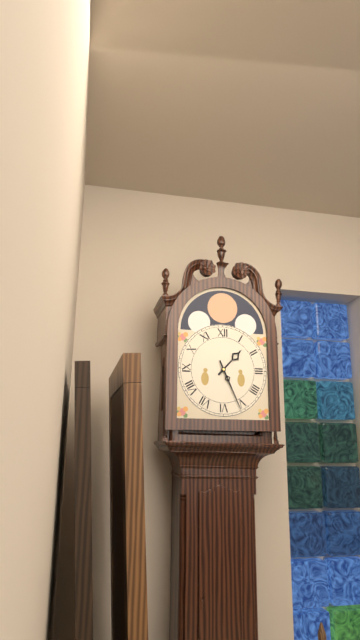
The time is **1:26**
